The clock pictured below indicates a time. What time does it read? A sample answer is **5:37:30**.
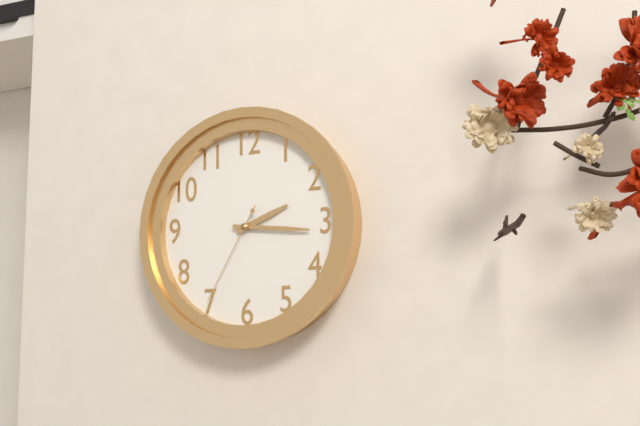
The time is **2:16:35**
